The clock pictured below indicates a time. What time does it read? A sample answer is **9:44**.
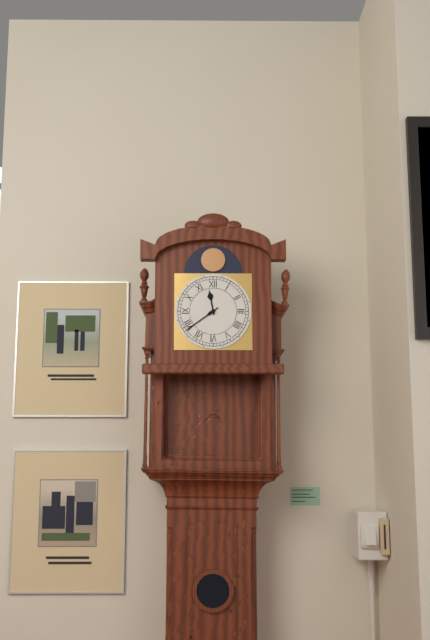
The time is **11:39**
